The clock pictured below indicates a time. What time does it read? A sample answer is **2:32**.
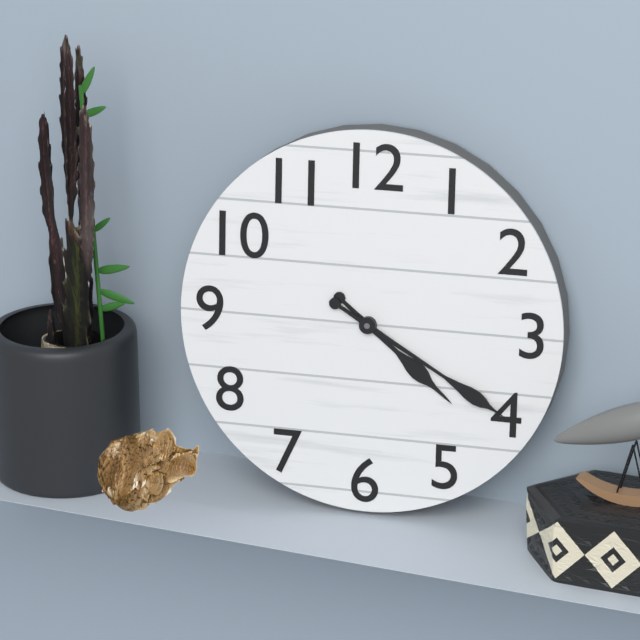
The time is **4:20**
